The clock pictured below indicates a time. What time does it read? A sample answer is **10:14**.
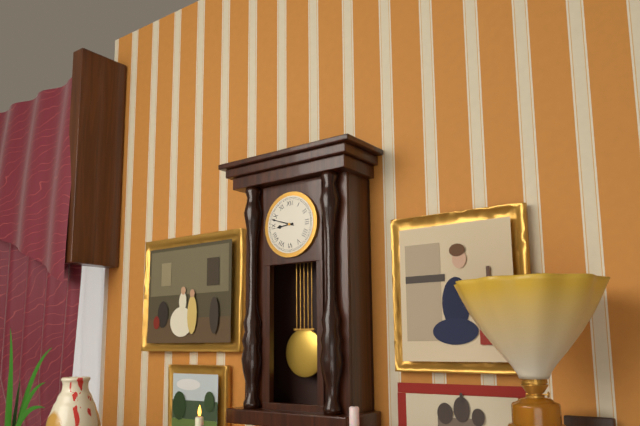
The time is **8:48**
